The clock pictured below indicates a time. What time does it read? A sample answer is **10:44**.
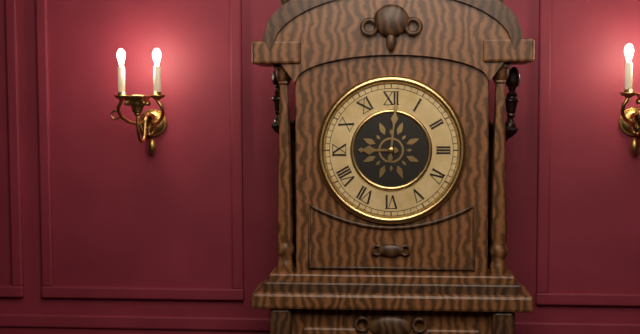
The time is **9:01**
